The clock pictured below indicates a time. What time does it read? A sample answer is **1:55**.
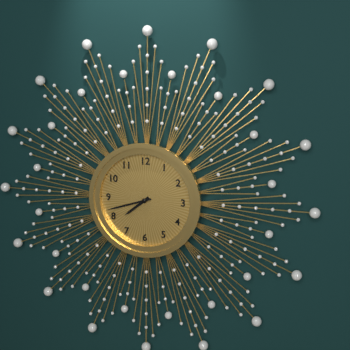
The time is **7:42**
